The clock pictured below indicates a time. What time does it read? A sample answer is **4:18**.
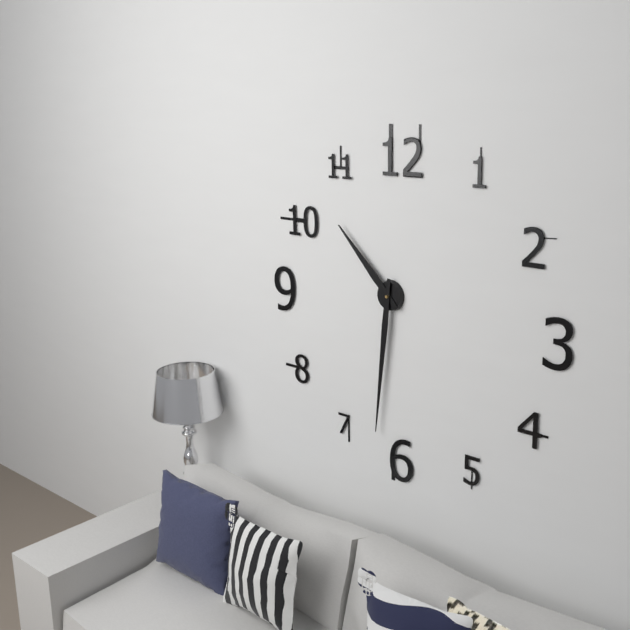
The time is **10:31**
